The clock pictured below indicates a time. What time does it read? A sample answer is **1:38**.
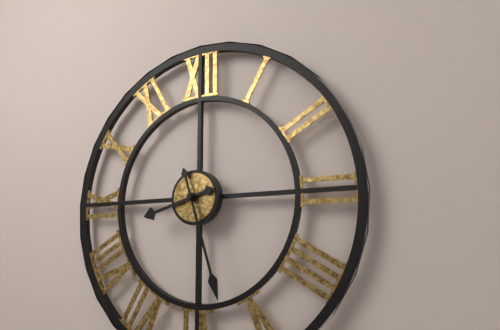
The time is **8:27**
